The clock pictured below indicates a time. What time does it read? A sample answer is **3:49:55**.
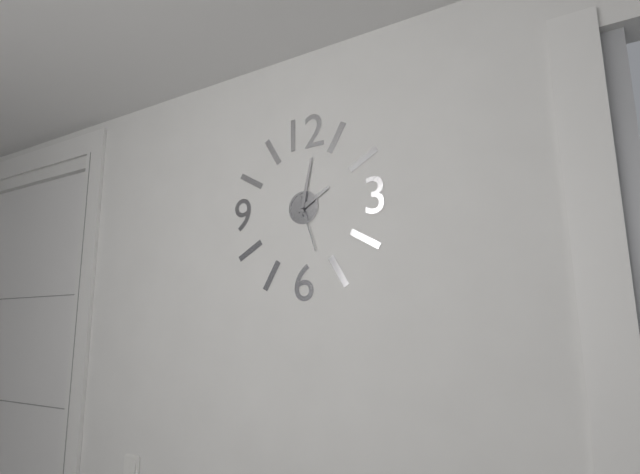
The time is **2:02:27**
